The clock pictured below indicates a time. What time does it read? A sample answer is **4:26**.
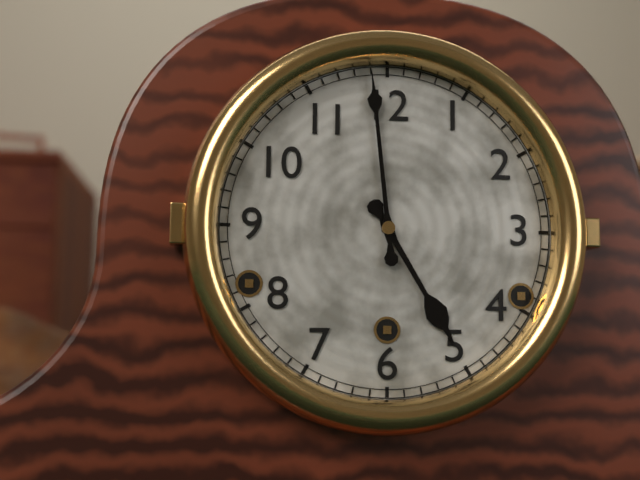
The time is **4:59**
